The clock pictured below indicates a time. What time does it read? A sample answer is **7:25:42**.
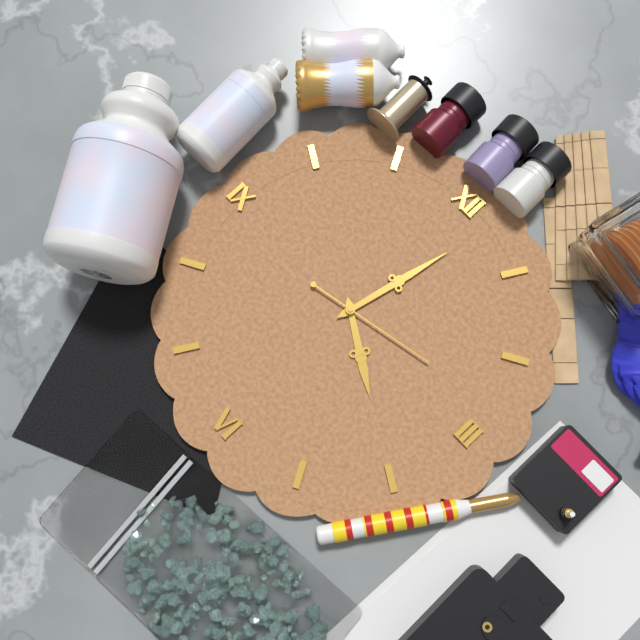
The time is **4:02:13**
